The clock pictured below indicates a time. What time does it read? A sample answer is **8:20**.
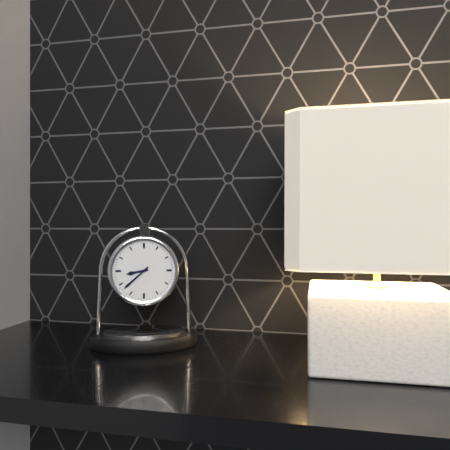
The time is **8:38**
